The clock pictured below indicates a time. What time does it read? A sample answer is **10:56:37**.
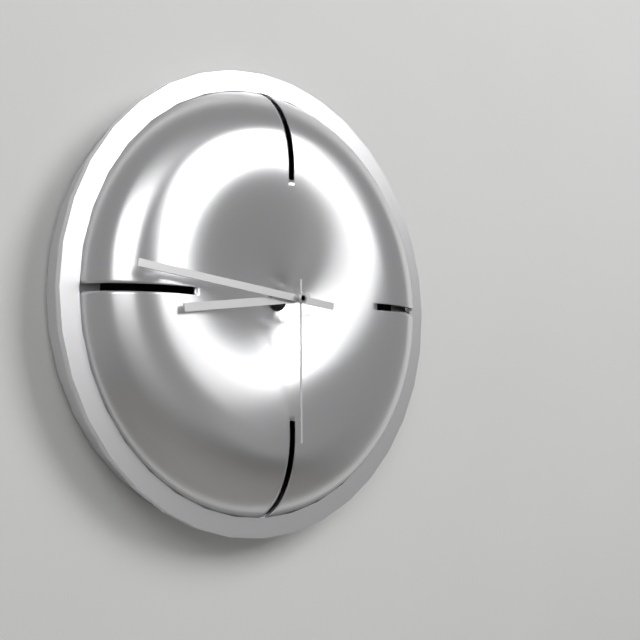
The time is **8:46:30**
